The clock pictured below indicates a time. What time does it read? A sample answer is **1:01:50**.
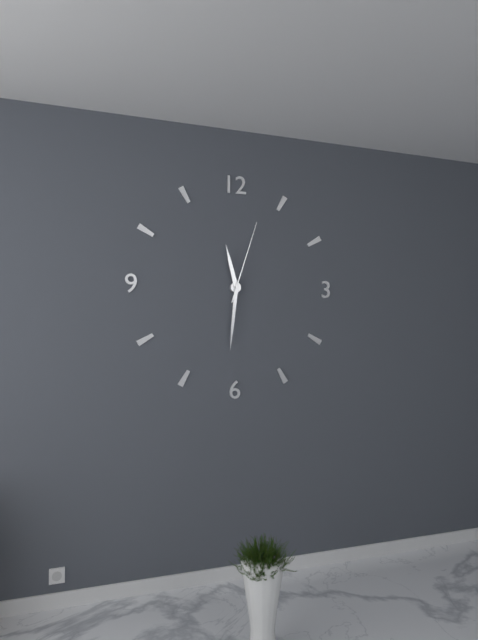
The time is **11:31:03**
